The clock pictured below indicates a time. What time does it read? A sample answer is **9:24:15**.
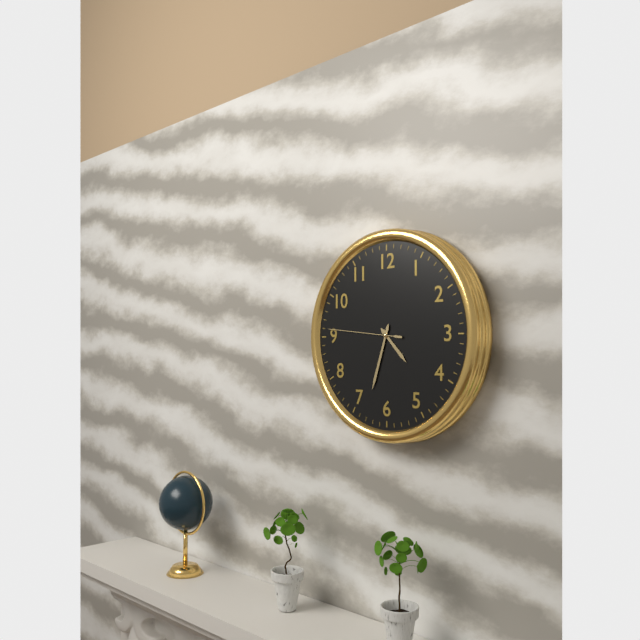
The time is **4:33:46**
